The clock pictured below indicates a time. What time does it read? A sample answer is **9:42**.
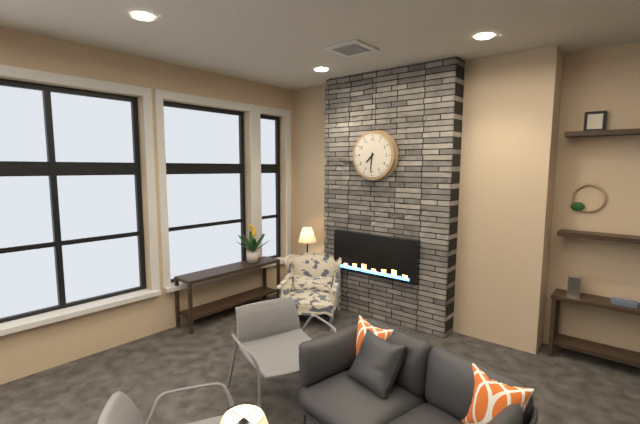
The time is **7:31**
